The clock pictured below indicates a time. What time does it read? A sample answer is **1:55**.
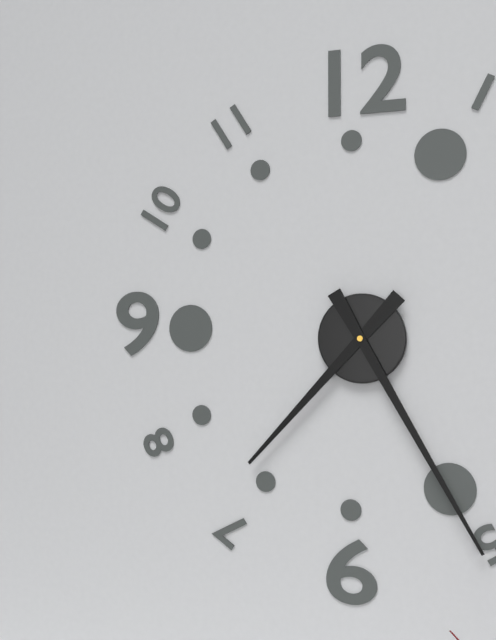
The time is **7:25**
